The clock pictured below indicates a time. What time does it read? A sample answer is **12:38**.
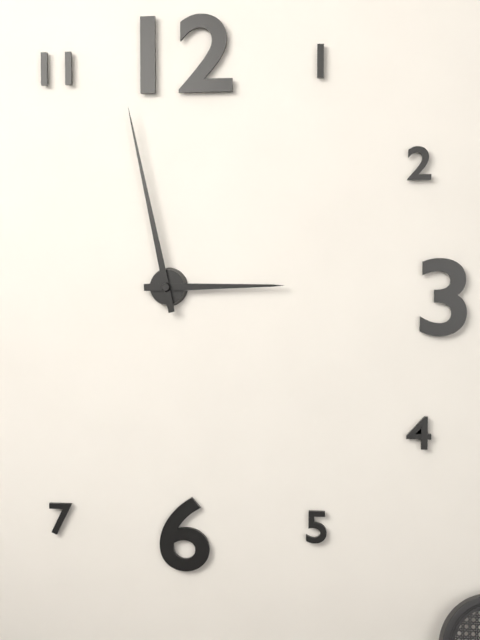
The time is **2:58**
